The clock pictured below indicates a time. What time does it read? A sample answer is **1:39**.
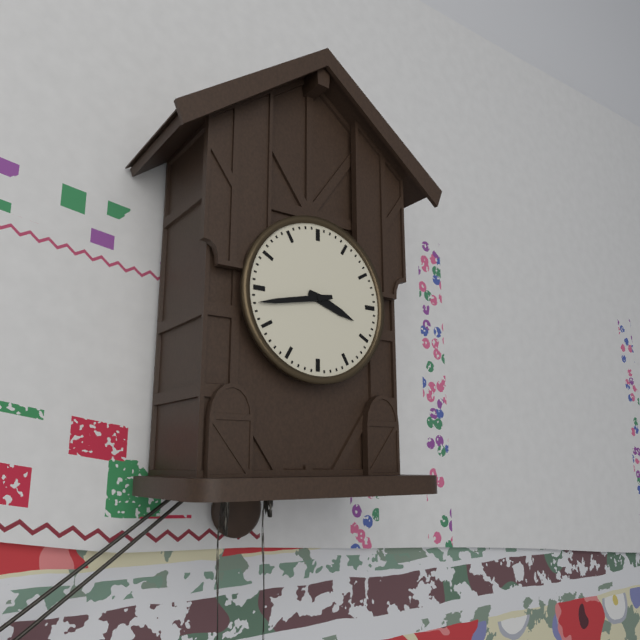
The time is **3:43**
